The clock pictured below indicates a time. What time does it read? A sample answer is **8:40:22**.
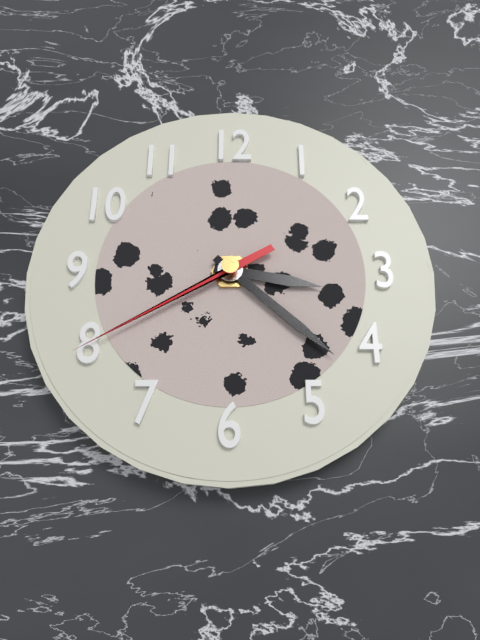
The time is **3:22:40**
